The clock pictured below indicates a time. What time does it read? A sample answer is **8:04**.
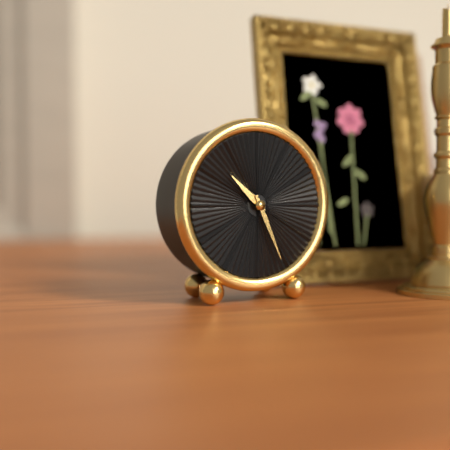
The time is **10:26**
